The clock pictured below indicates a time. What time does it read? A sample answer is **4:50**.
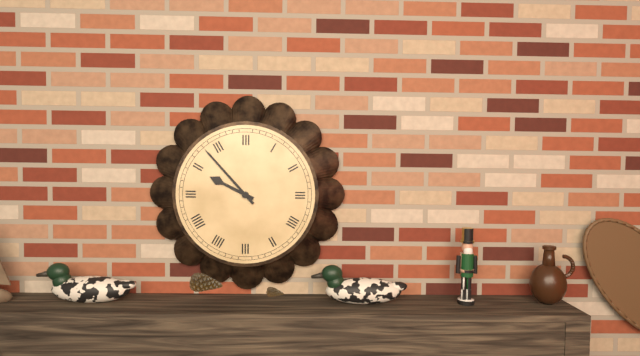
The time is **9:53**
